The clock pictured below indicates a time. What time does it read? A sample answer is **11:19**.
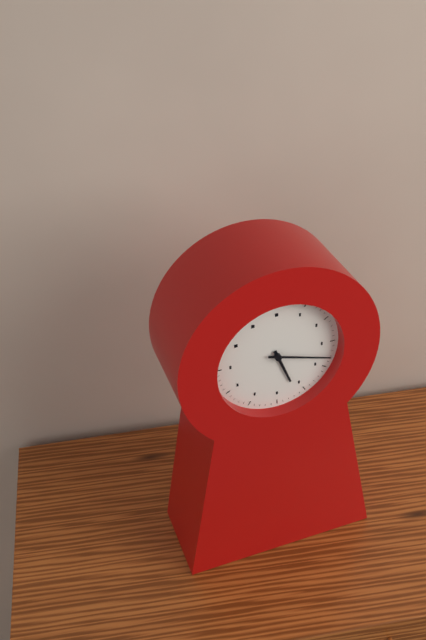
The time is **5:18**
